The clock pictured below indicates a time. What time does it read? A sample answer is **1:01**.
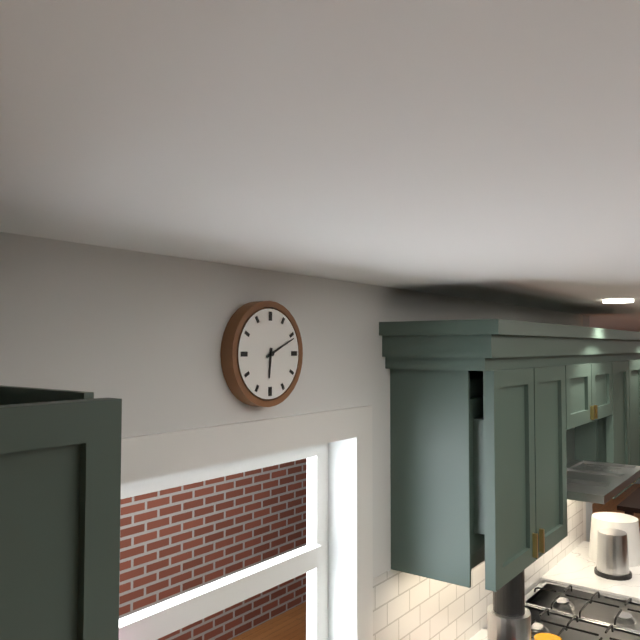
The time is **6:11**
